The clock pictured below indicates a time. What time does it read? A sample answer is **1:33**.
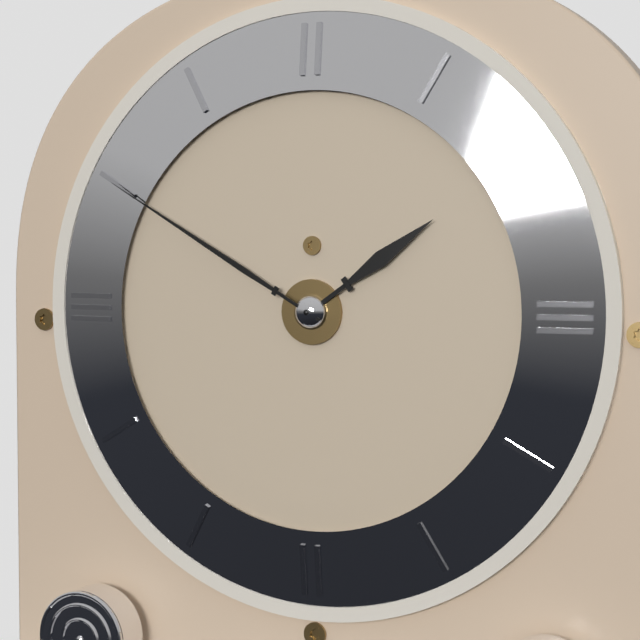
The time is **1:50**
